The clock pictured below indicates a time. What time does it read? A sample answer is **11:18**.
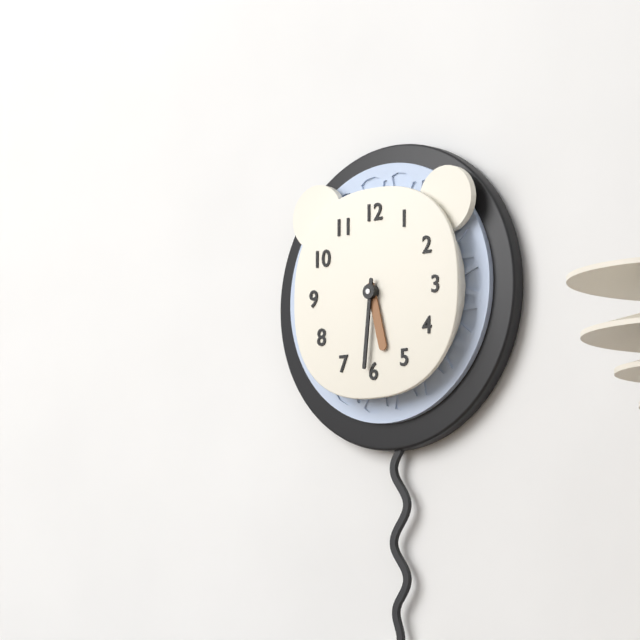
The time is **5:31**
